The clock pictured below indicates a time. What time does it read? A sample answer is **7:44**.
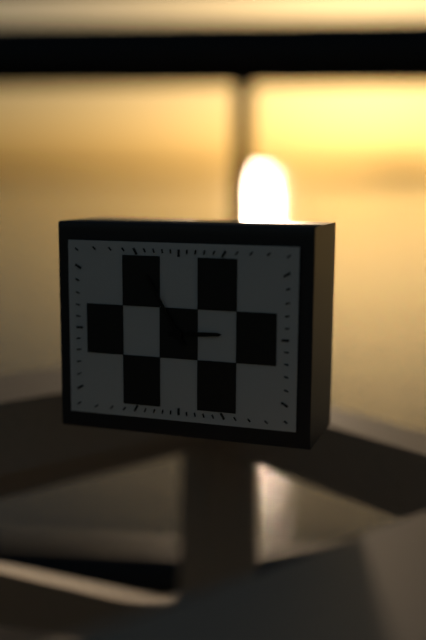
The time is **2:55**
